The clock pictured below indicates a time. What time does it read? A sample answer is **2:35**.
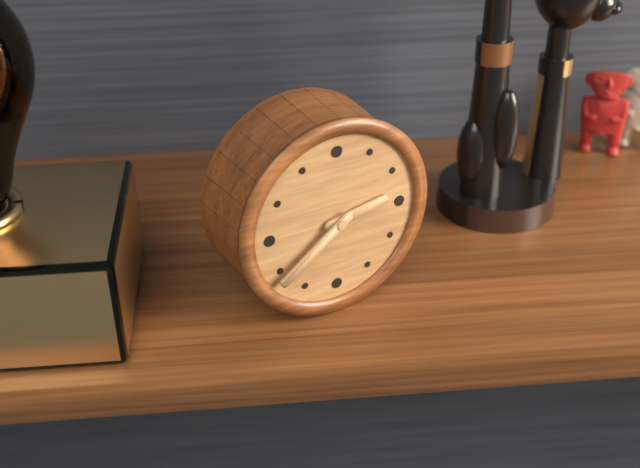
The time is **2:39**
